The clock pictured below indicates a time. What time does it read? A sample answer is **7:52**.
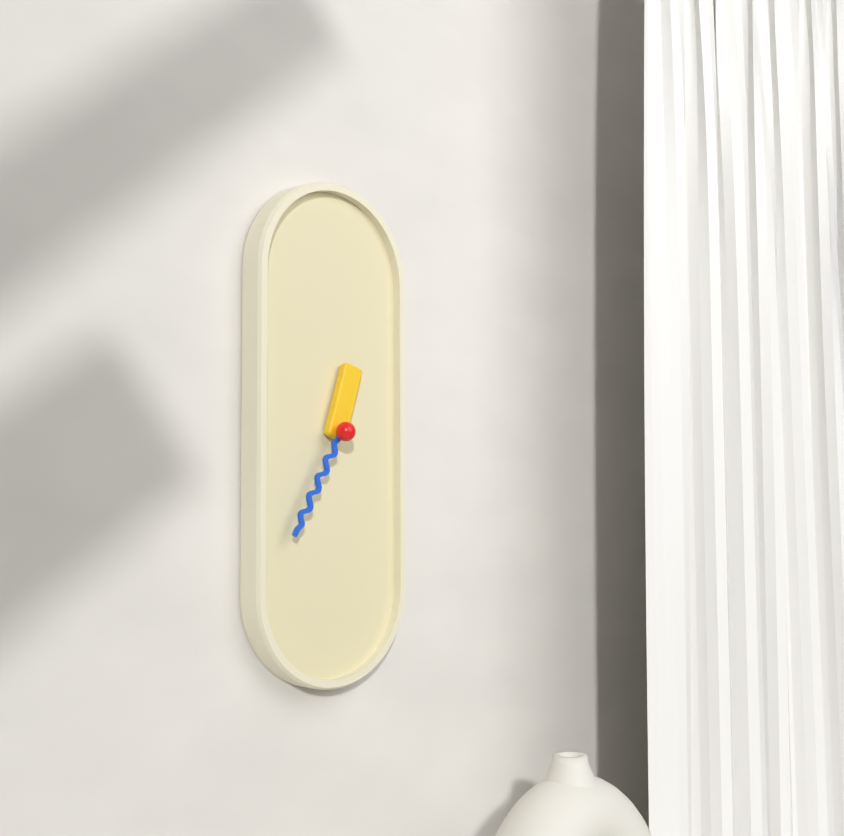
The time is **12:35**
